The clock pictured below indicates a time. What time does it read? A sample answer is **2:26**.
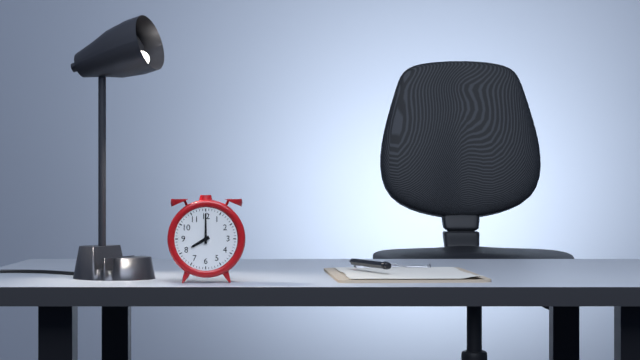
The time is **8:00**
